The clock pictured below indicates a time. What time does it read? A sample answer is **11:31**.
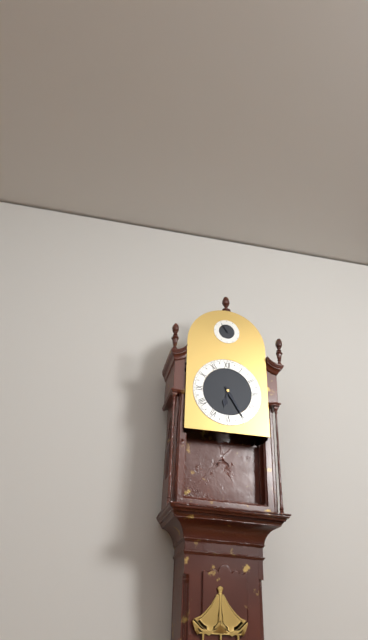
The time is **6:25**
